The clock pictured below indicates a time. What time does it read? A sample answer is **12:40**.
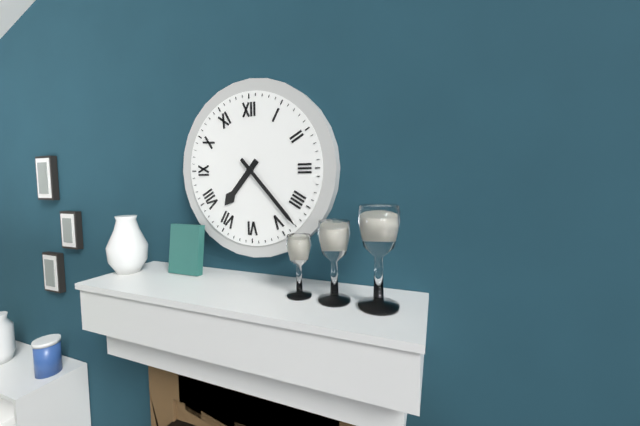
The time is **7:23**
